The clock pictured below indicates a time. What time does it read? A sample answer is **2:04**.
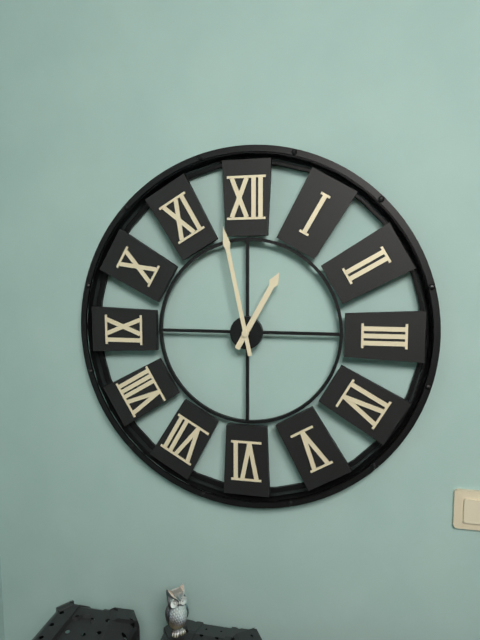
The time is **12:58**
